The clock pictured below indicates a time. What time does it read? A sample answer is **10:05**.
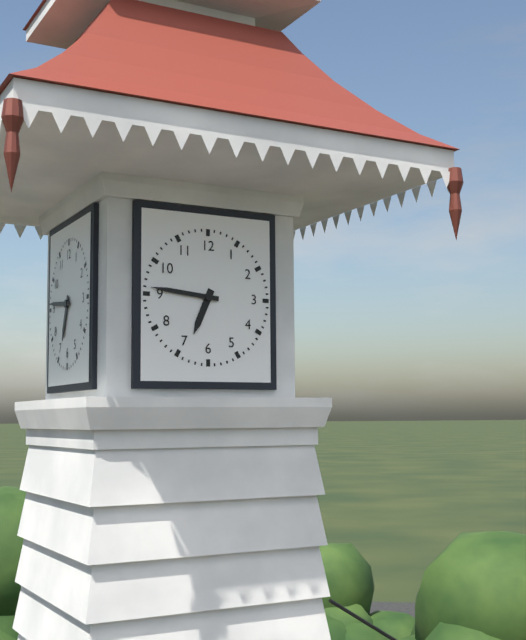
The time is **6:46**
